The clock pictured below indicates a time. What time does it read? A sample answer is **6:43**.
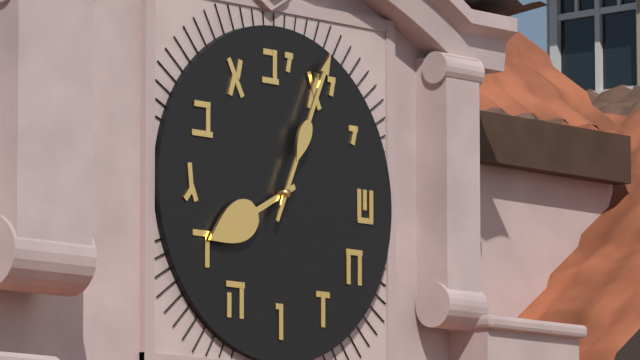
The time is **8:04**
